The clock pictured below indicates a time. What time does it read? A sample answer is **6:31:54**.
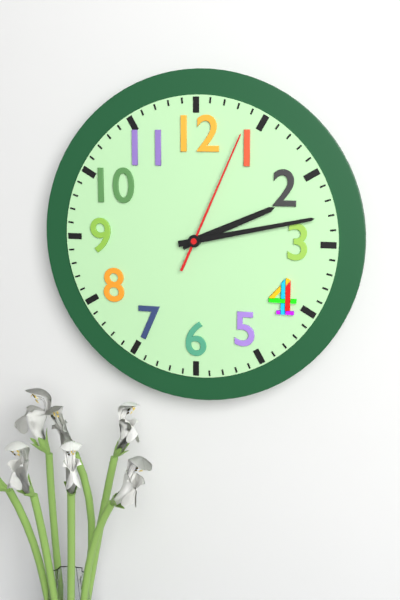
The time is **2:13:04**
